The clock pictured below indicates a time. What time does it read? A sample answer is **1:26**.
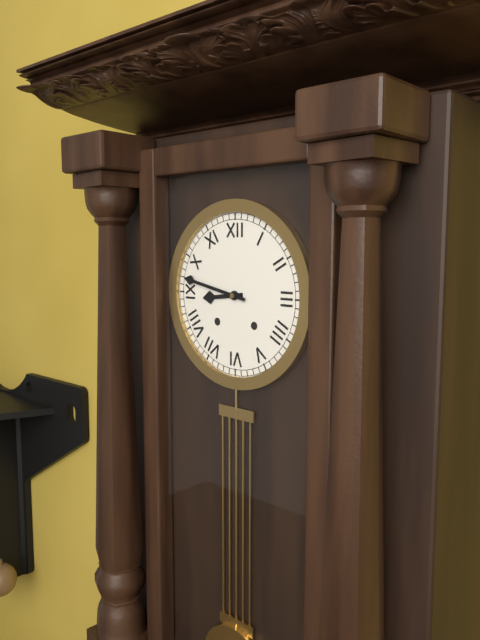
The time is **8:47**
